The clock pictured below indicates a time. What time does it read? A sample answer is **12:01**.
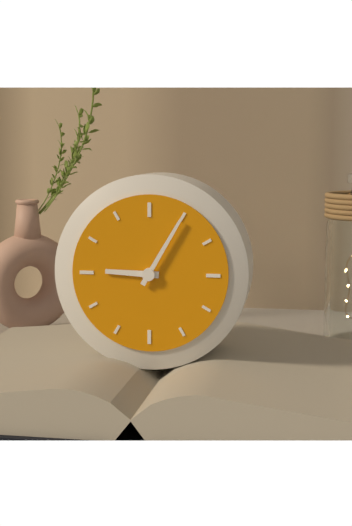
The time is **9:05**
